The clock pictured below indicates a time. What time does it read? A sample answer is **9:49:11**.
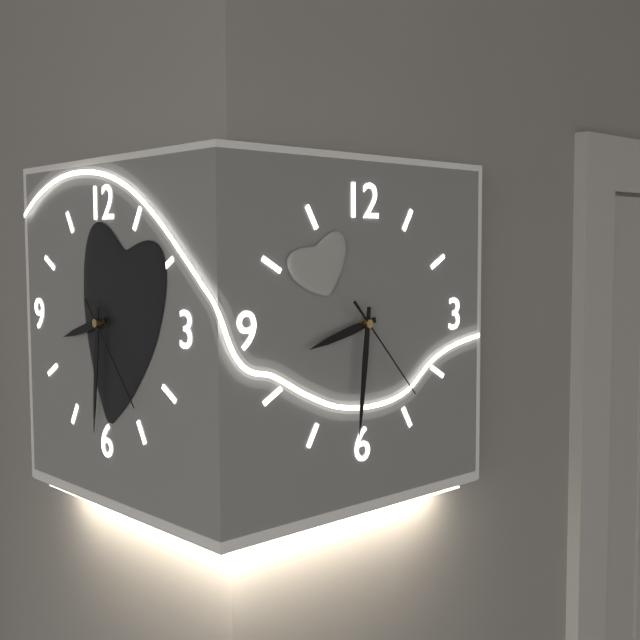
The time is **8:31:23**
